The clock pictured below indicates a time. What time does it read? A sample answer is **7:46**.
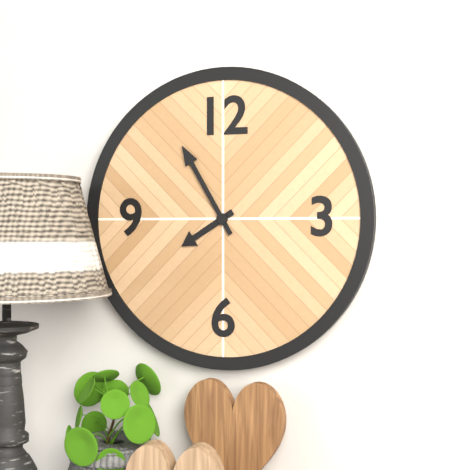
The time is **7:55**
